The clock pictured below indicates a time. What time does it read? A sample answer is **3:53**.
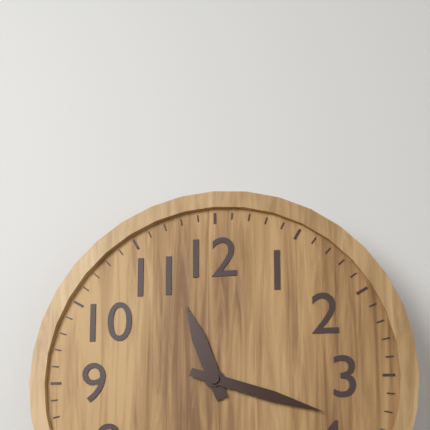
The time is **11:18**
